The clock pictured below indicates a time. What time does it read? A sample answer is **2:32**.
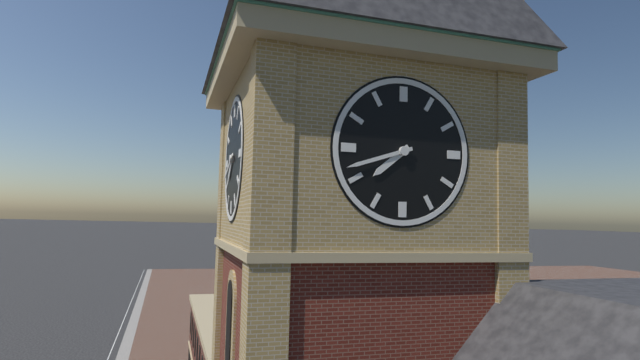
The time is **7:42**
